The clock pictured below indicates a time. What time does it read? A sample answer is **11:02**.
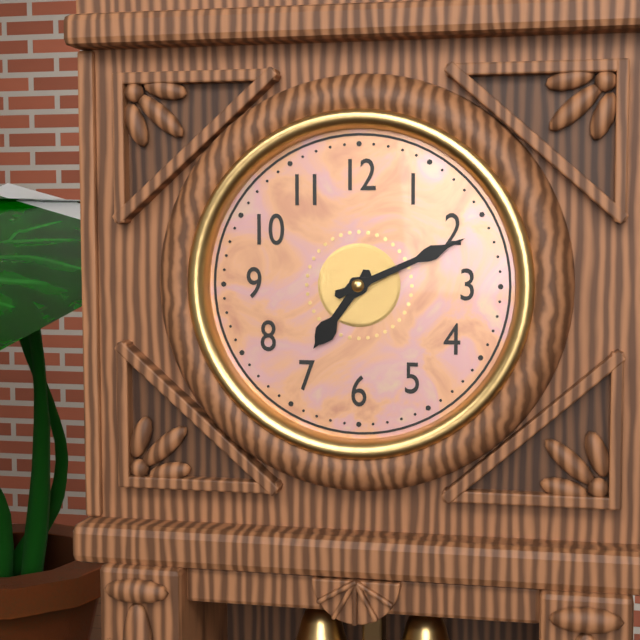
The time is **7:11**
